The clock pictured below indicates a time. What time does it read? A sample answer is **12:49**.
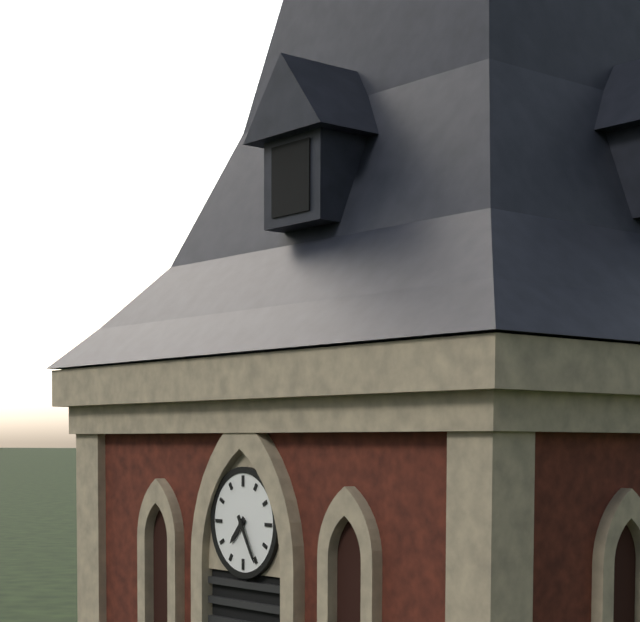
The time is **7:25**
